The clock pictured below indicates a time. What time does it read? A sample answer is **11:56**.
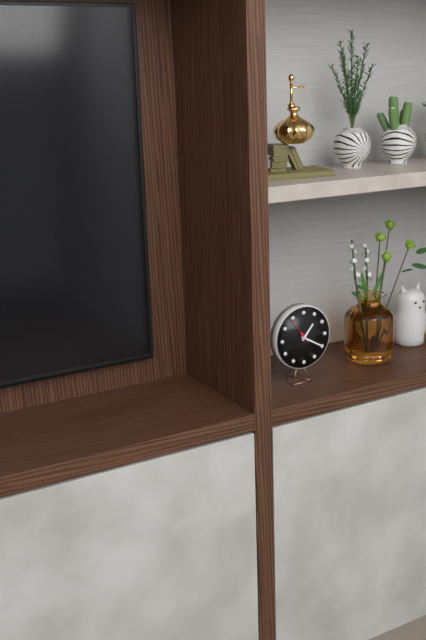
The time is **1:20**
